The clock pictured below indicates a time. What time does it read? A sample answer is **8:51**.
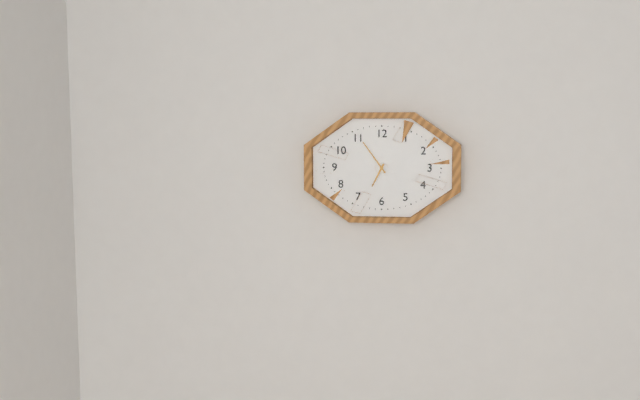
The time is **6:54**
